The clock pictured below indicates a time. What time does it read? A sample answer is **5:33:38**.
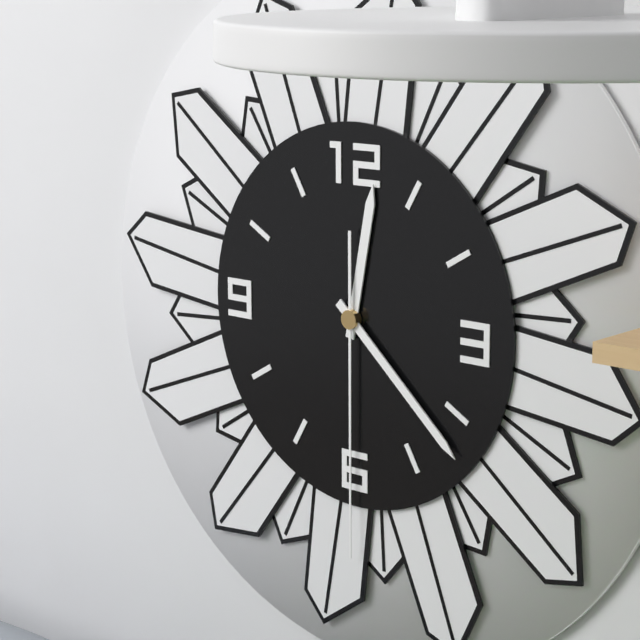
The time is **12:22:30**
